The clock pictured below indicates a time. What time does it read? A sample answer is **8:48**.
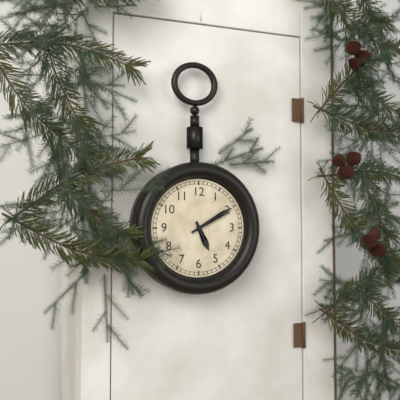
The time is **5:10**
